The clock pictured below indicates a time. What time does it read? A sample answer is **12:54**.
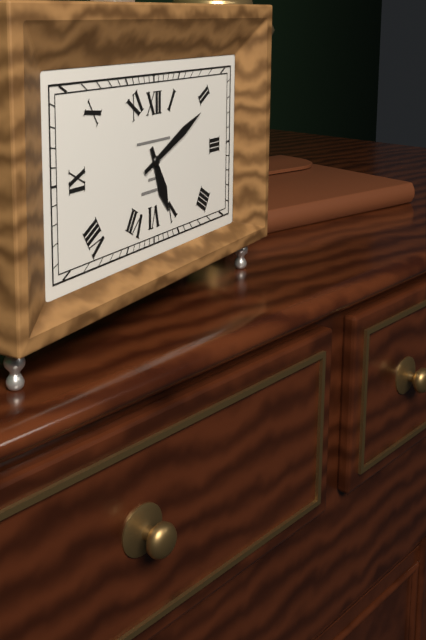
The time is **5:11**
